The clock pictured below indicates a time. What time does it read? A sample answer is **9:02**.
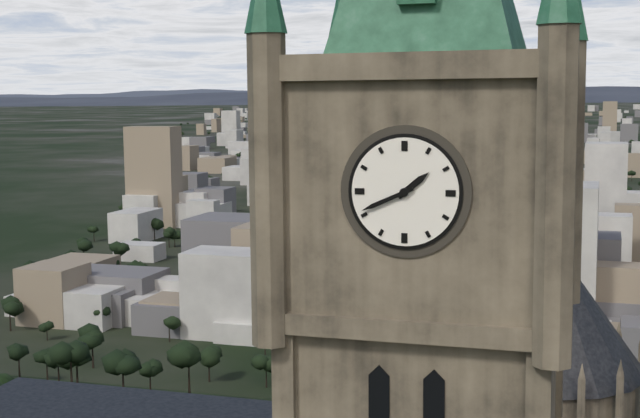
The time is **1:41**
